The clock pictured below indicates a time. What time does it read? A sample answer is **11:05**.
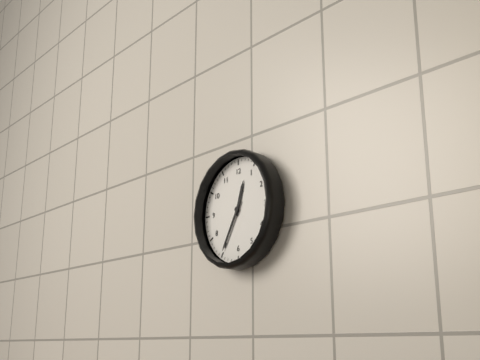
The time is **12:35**
